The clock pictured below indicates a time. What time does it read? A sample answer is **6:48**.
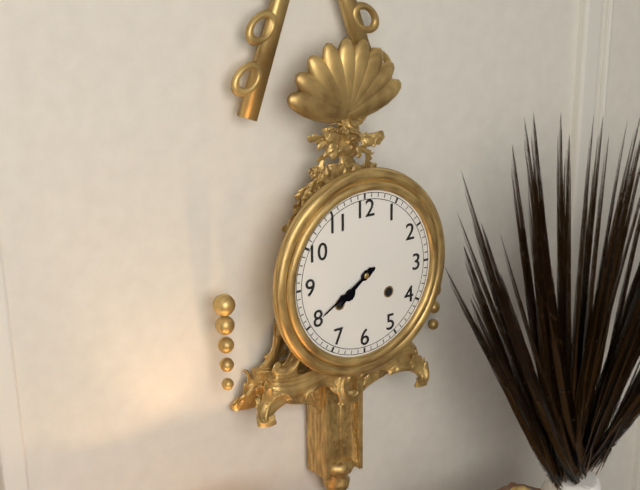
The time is **7:40**
